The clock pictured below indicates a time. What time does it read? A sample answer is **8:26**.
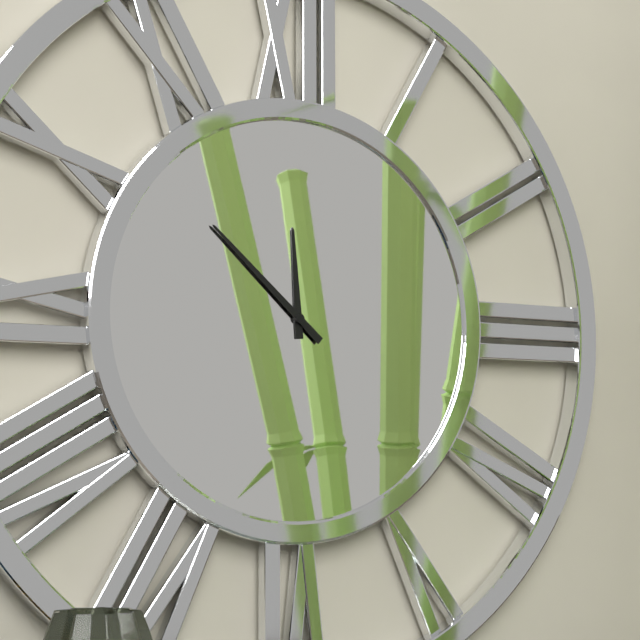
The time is **11:52**
